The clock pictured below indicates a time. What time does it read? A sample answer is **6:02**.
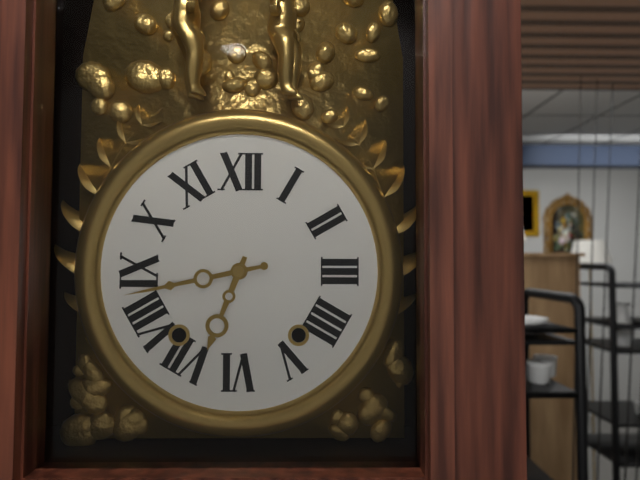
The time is **6:43**
